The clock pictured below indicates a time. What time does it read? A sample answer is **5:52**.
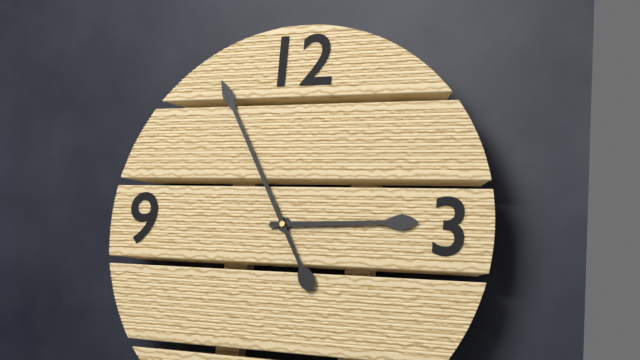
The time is **2:55**
